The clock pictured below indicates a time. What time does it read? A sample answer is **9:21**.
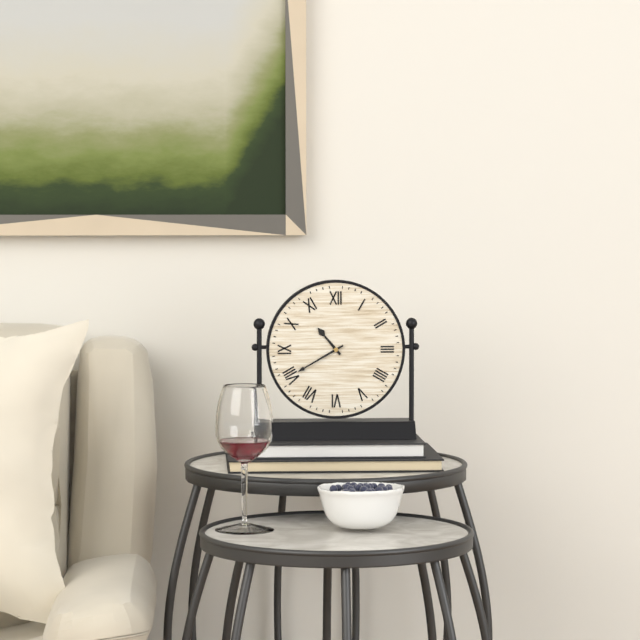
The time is **10:40**
